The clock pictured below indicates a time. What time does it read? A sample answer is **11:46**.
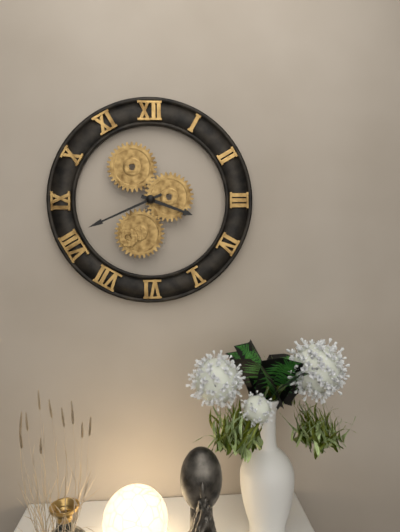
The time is **3:41**
